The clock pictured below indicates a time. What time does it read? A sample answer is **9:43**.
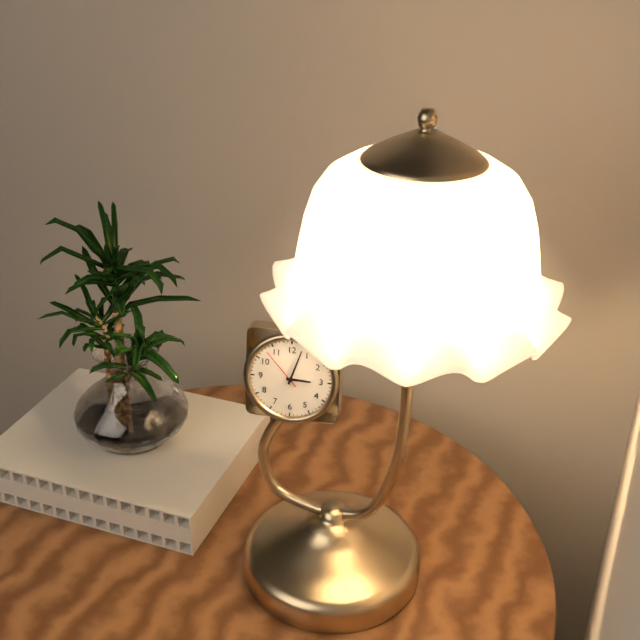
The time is **3:03**
